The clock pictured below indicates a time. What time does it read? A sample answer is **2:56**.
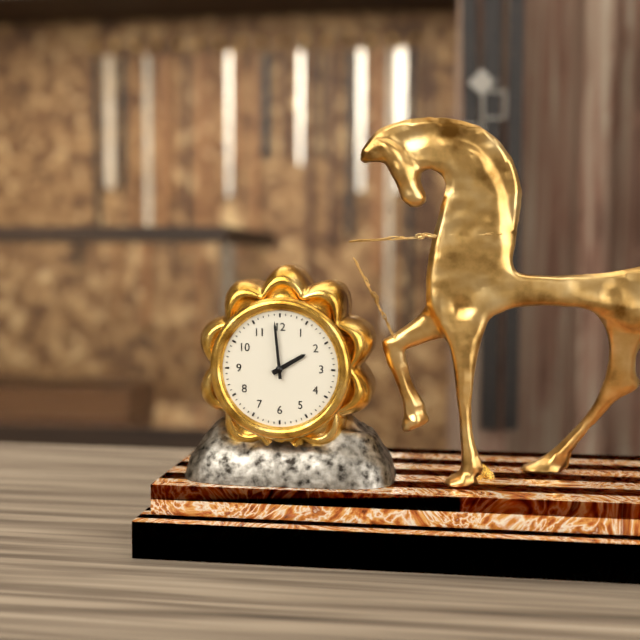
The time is **1:59**
